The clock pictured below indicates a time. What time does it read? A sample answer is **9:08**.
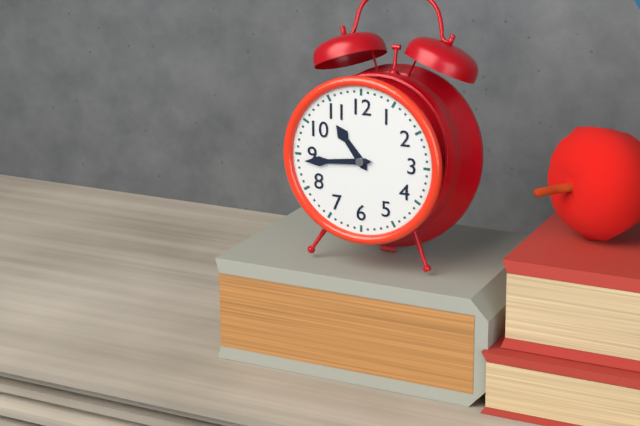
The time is **10:44**
